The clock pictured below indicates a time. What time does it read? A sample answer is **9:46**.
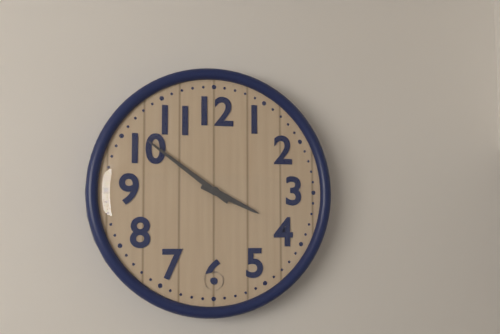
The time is **3:51**
